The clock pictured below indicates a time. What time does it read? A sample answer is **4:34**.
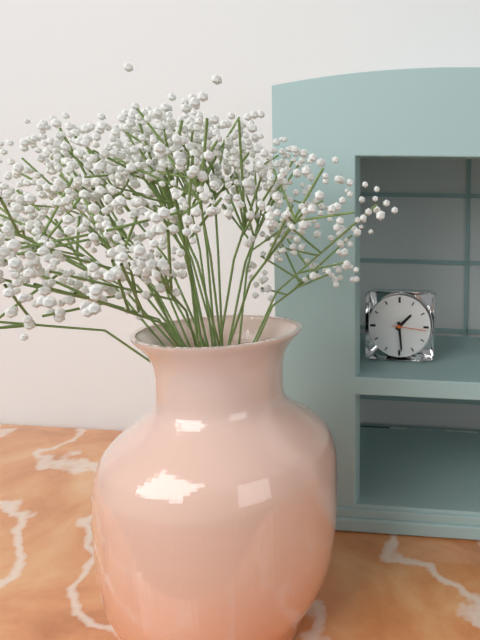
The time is **1:29**
